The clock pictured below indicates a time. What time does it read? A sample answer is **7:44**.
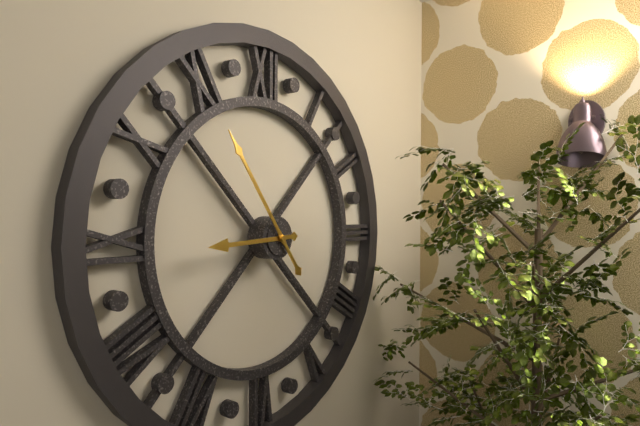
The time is **8:54**
